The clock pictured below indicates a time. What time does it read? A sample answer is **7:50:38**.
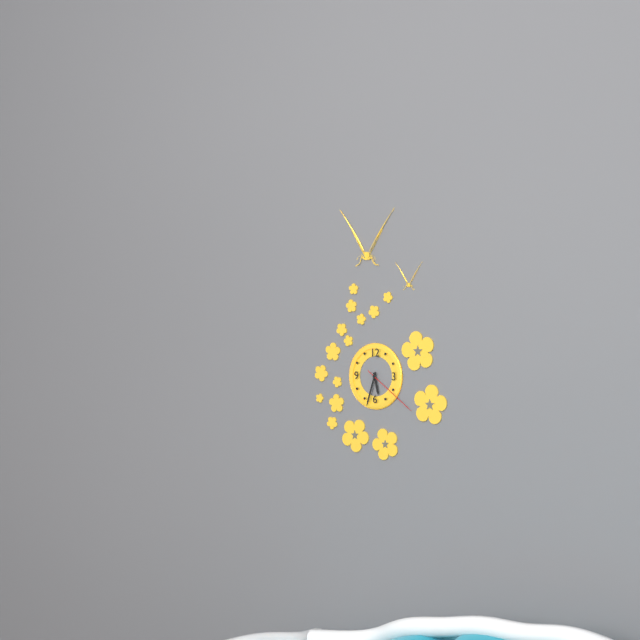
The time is **5:33:21**
